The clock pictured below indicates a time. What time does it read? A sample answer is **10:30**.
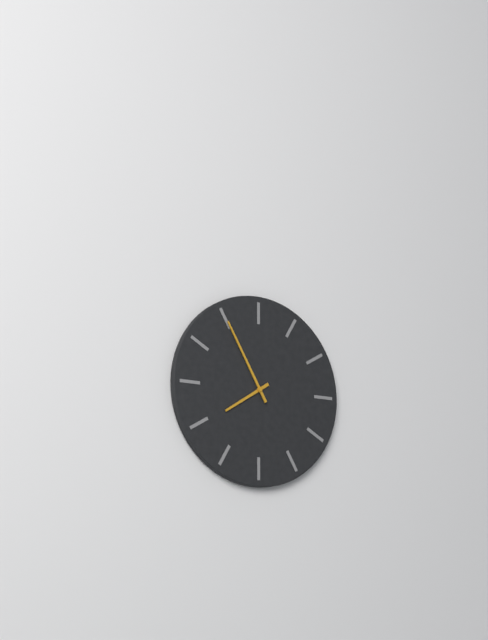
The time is **7:55**
